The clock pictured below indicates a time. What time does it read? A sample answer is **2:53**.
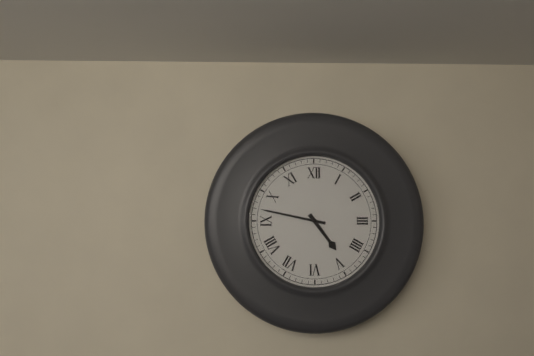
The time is **4:47**
